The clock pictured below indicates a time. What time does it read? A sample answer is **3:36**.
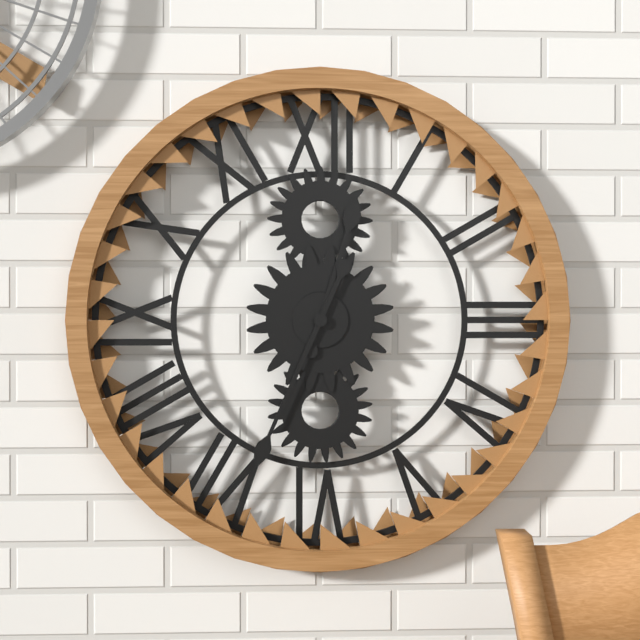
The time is **12:34**
